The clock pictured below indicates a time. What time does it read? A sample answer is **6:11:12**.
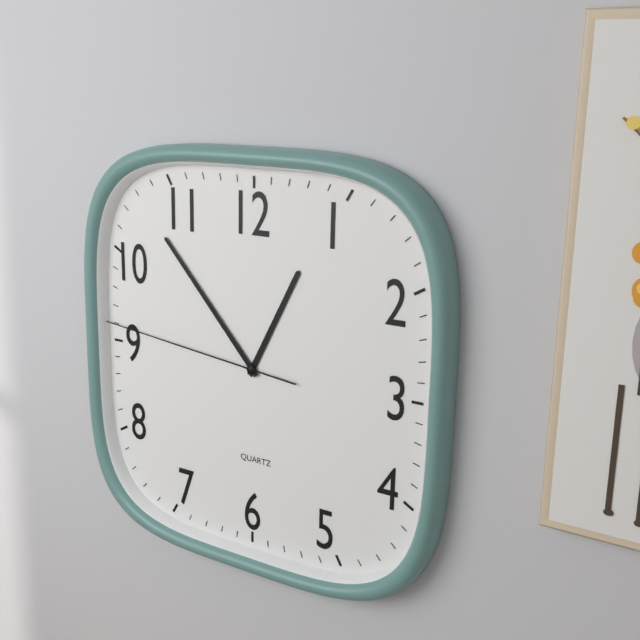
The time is **12:53:46**
